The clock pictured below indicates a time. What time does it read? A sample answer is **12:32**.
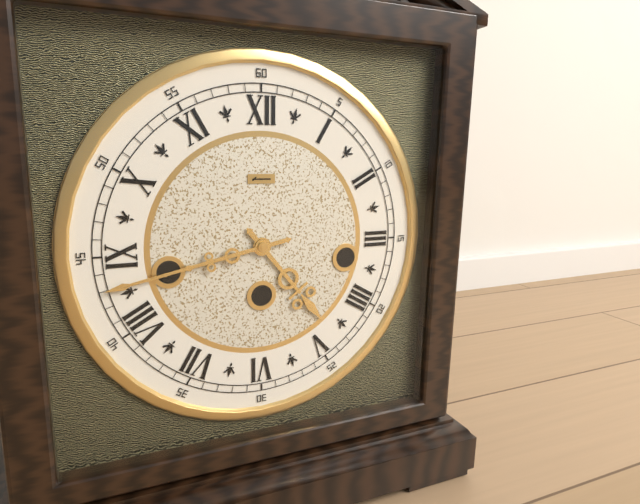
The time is **4:43**
